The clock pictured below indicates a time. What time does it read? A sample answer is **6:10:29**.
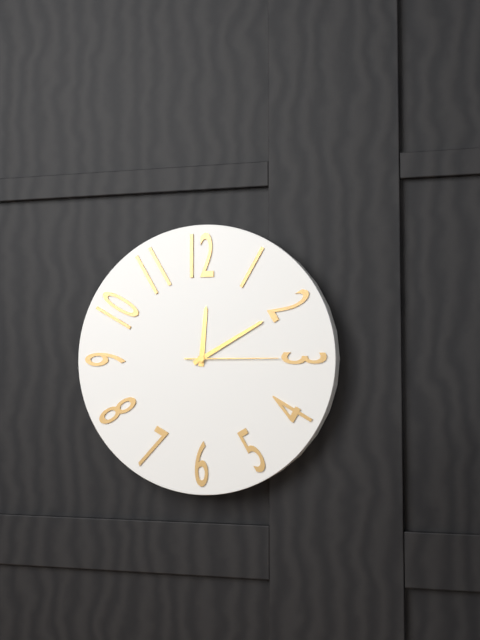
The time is **12:10:15**
